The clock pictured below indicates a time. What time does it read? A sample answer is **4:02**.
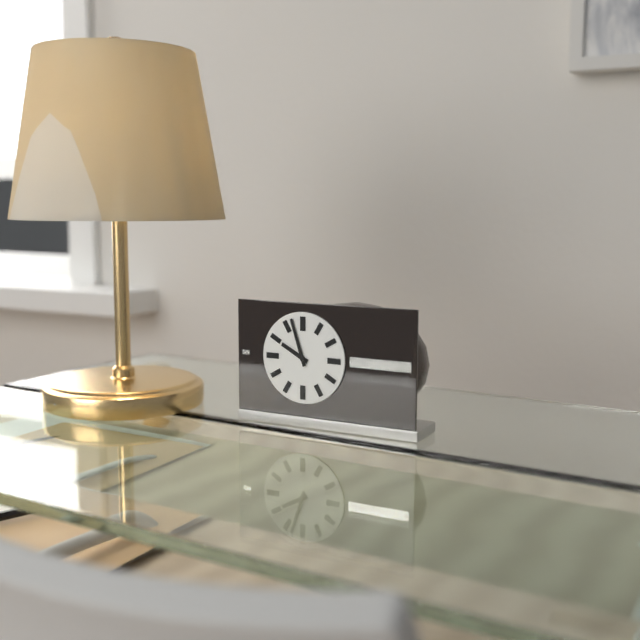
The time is **9:57**
